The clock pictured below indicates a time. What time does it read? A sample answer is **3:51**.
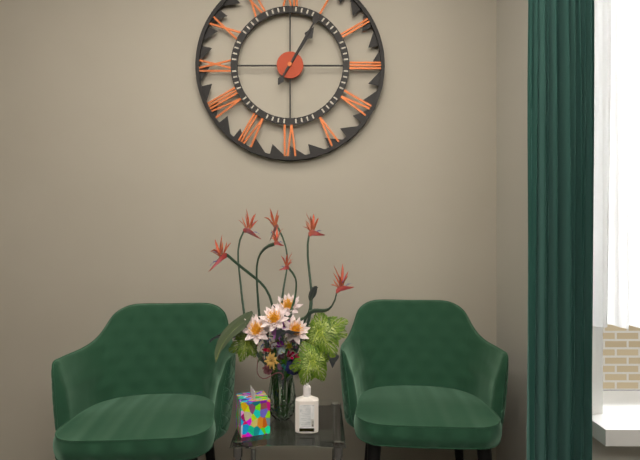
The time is **1:05**
